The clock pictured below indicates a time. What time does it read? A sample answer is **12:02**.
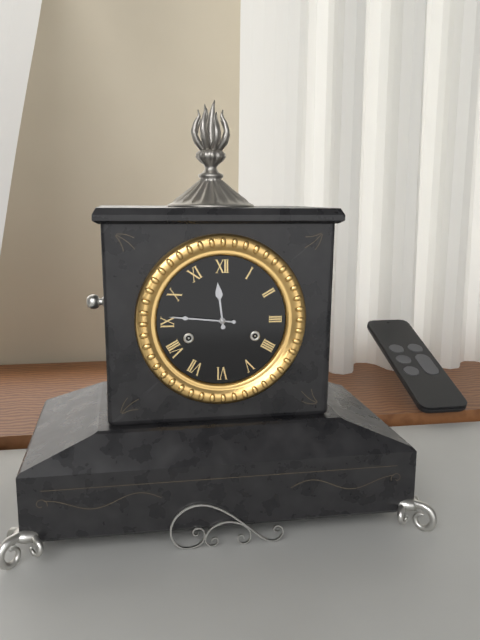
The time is **11:46**
